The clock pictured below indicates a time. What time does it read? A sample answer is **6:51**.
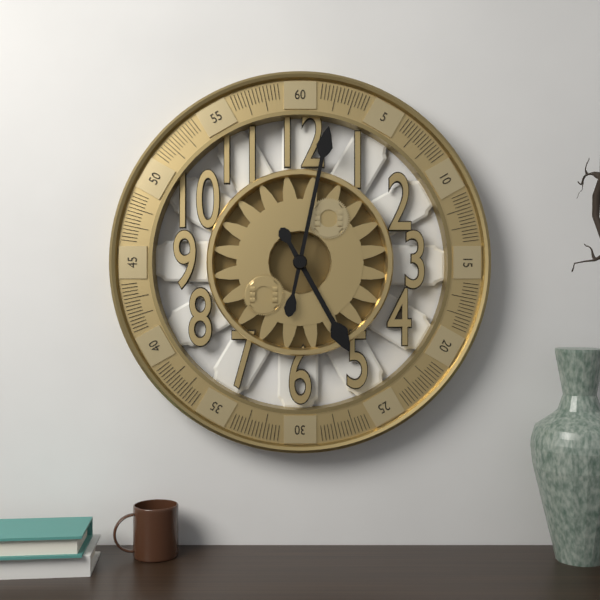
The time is **5:02**
